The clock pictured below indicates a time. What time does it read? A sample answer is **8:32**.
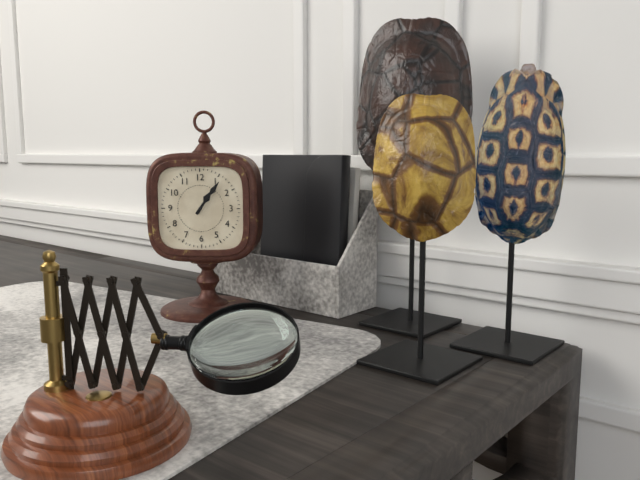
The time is **1:06**
